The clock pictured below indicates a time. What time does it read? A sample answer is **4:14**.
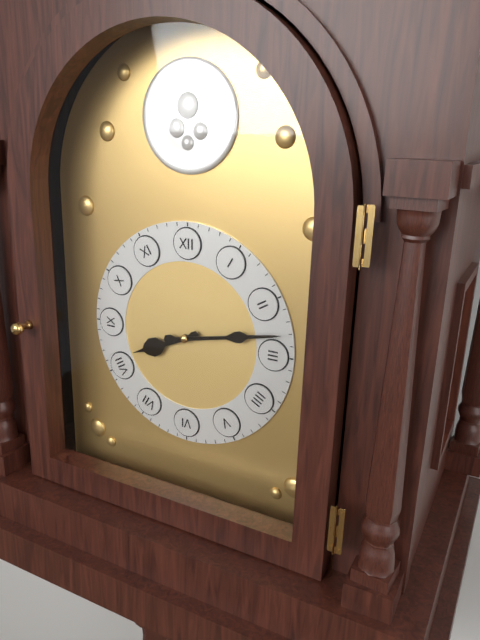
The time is **8:13**
